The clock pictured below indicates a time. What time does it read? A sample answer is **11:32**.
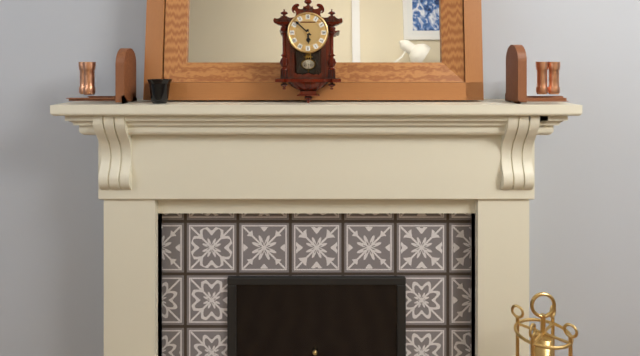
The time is **5:52**
